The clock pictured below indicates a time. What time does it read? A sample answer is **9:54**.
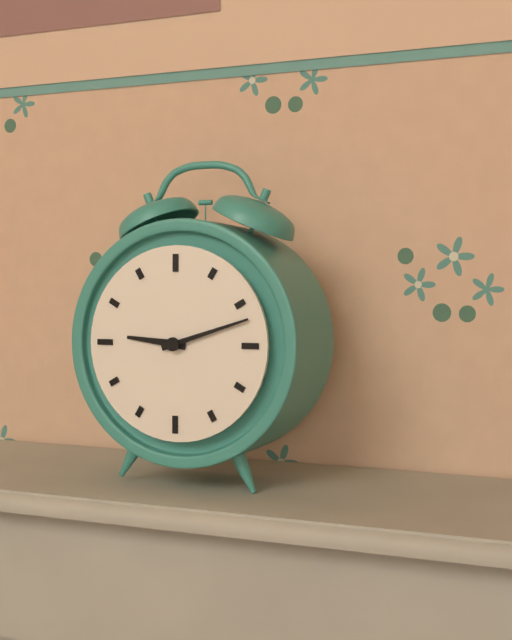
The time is **9:12**
